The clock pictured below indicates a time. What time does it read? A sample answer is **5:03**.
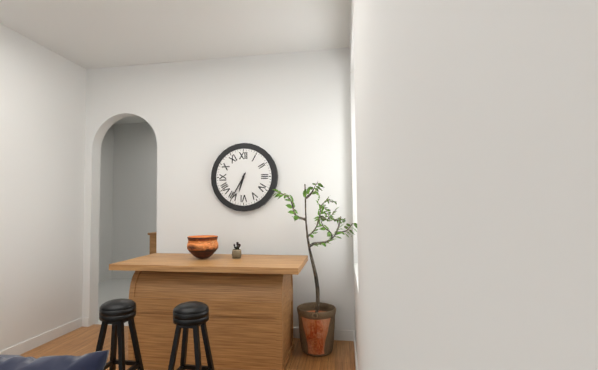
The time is **6:35**
